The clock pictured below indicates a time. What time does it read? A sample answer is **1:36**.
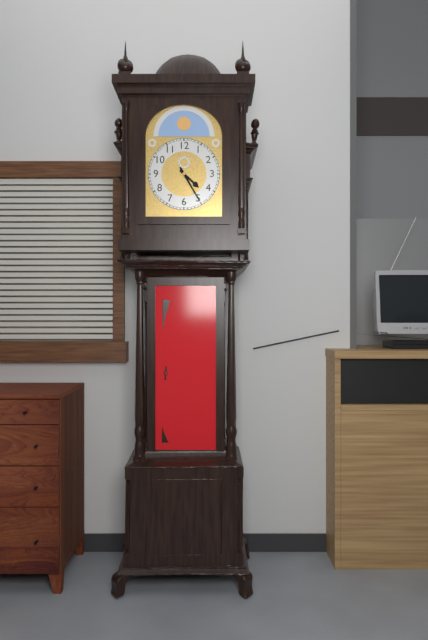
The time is **4:25**
